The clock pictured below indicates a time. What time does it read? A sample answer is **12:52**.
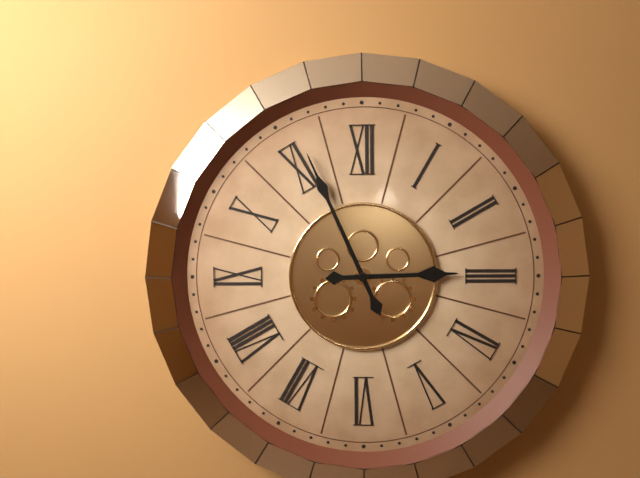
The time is **2:56**
